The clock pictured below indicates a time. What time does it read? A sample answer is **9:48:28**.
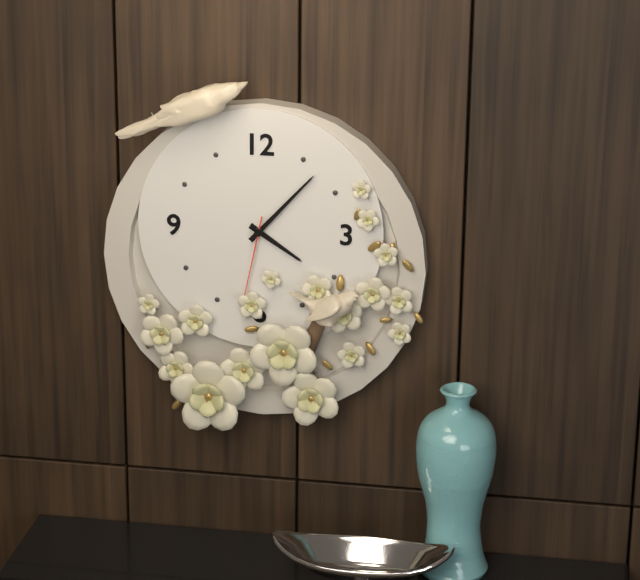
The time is **4:07:32**
